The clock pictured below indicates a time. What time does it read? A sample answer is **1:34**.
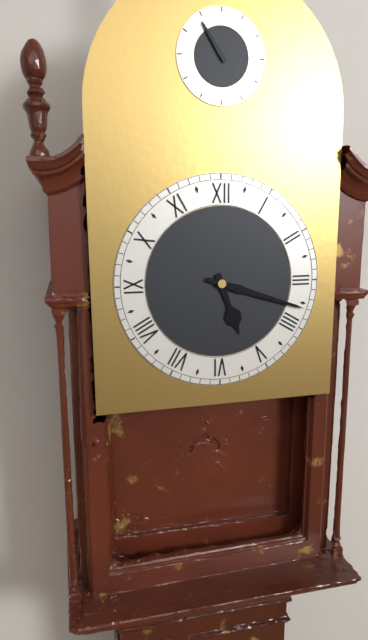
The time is **5:18**
